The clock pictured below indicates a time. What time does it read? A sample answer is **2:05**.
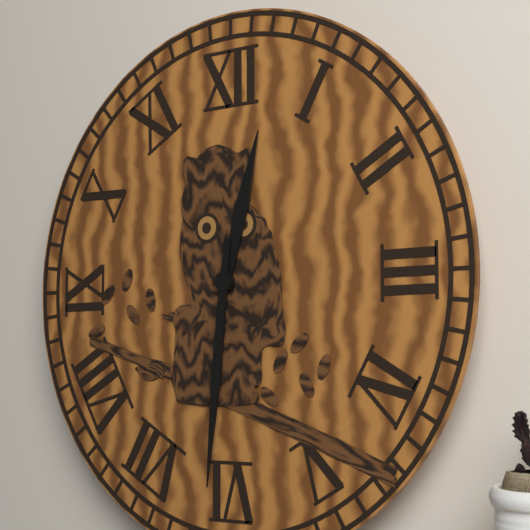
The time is **12:31**
